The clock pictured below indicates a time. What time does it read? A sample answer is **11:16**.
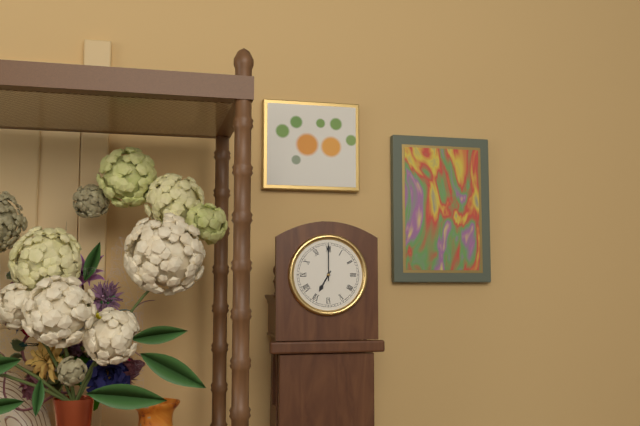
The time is **7:00**
